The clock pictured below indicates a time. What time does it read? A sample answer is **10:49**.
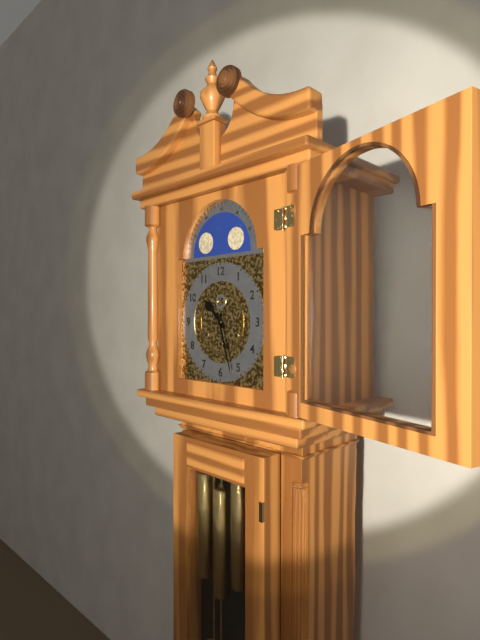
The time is **10:27**
